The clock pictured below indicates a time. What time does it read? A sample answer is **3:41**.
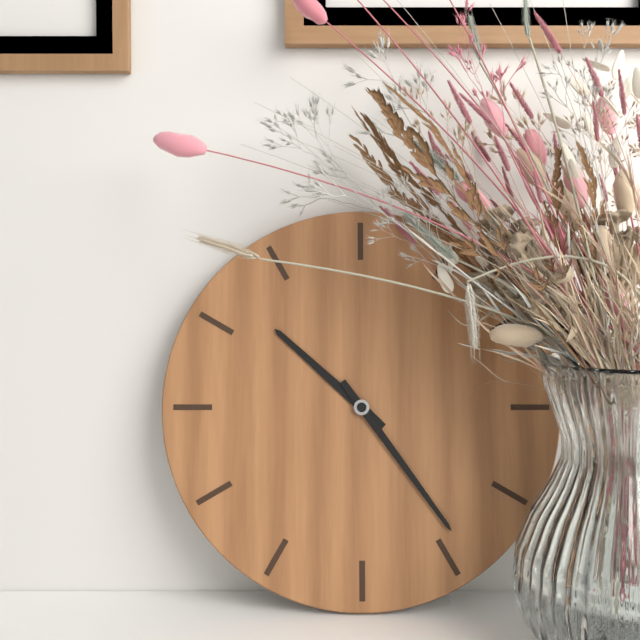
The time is **10:24**
